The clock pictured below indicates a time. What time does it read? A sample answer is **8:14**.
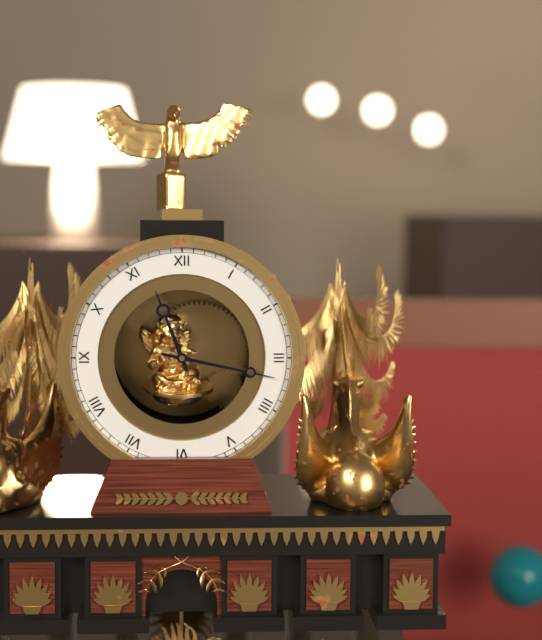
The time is **11:17**
